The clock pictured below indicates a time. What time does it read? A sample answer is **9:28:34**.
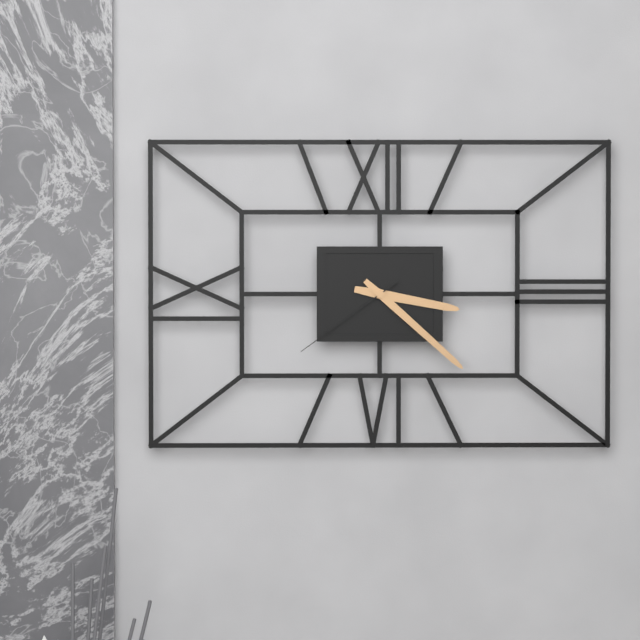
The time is **3:22:39**
